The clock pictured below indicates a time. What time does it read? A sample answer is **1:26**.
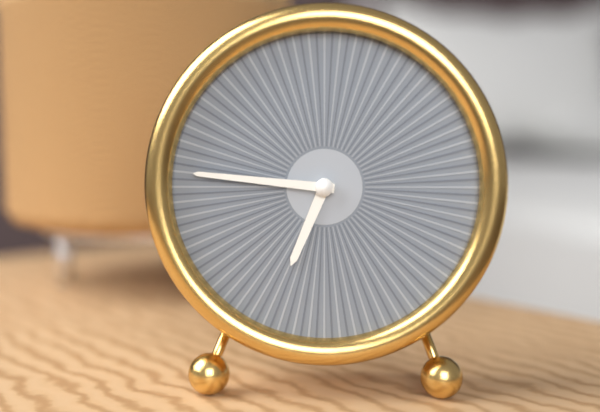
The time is **6:46**
